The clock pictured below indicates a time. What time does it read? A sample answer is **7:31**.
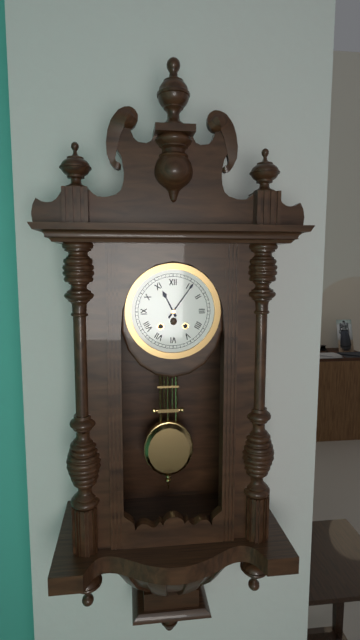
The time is **11:06**
